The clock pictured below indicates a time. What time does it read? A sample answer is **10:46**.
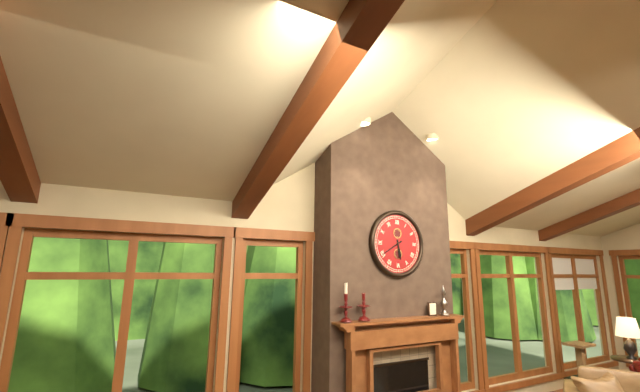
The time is **5:40**
